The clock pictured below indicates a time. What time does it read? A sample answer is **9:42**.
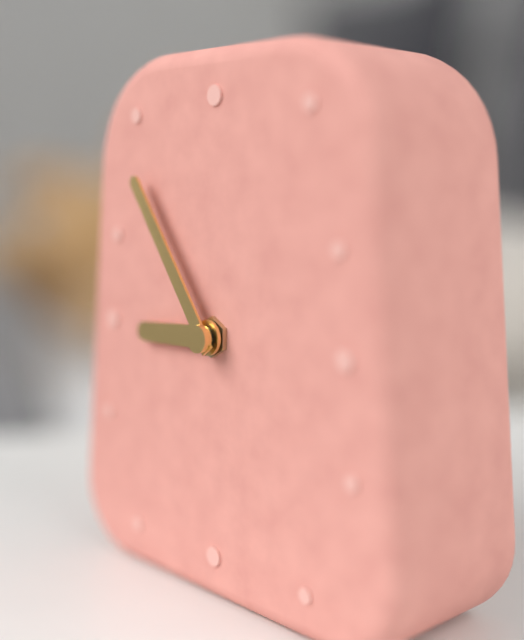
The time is **8:54**
